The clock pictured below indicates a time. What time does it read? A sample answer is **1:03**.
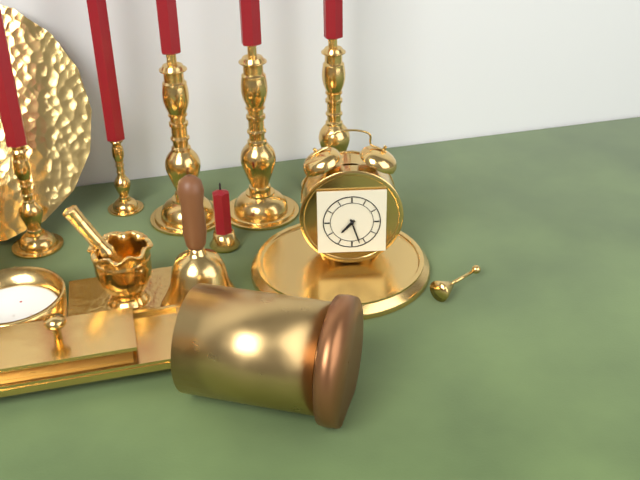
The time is **7:27**
